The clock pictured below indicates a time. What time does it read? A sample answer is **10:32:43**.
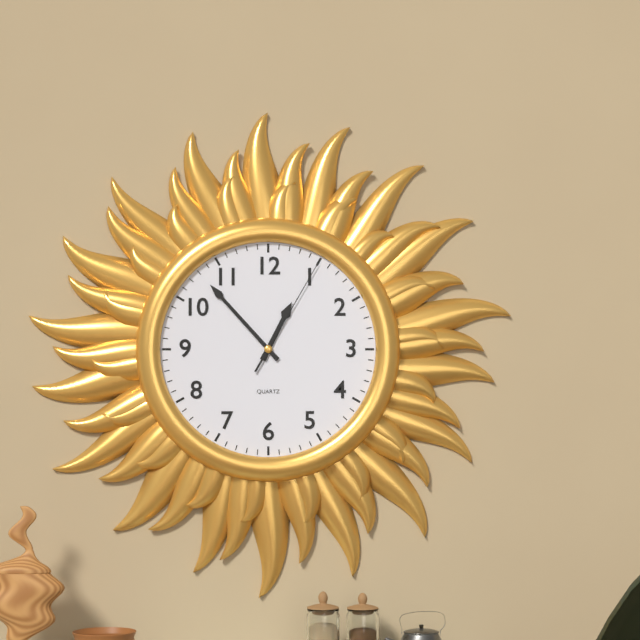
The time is **12:53:05**
